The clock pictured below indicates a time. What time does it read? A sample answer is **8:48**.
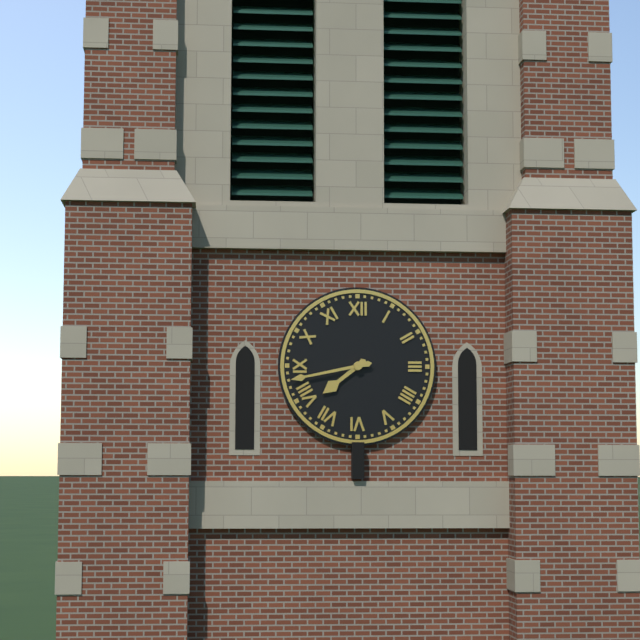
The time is **7:43**
